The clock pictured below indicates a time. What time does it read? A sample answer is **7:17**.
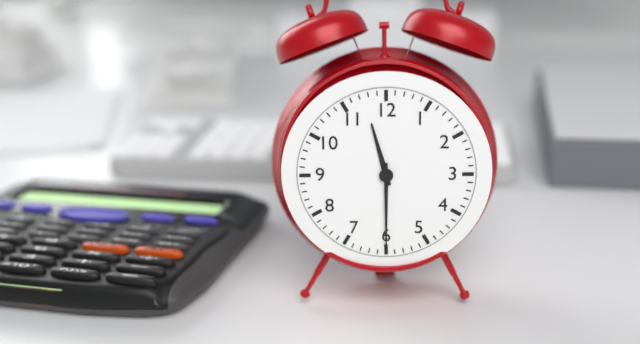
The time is **11:30**
